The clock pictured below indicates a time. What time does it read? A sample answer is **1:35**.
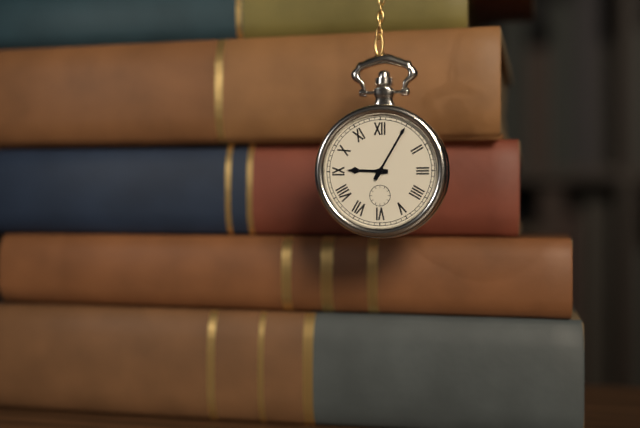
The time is **9:05**
